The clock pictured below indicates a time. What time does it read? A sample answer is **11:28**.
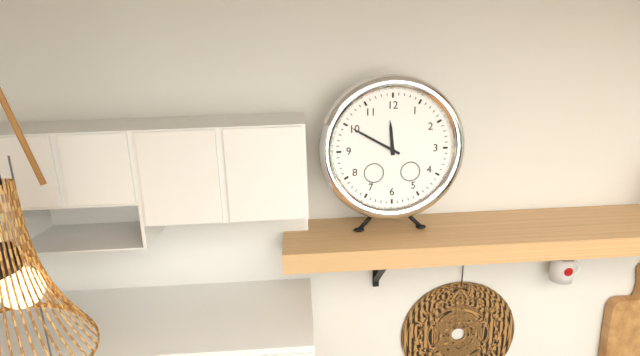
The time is **11:50**
